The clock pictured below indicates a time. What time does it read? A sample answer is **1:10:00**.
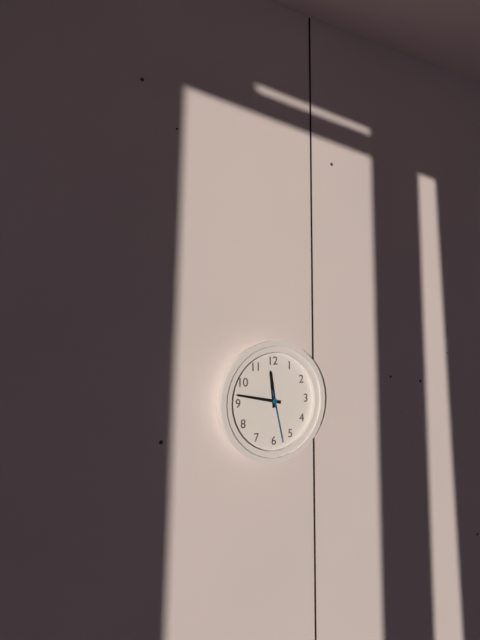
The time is **11:47:28**
